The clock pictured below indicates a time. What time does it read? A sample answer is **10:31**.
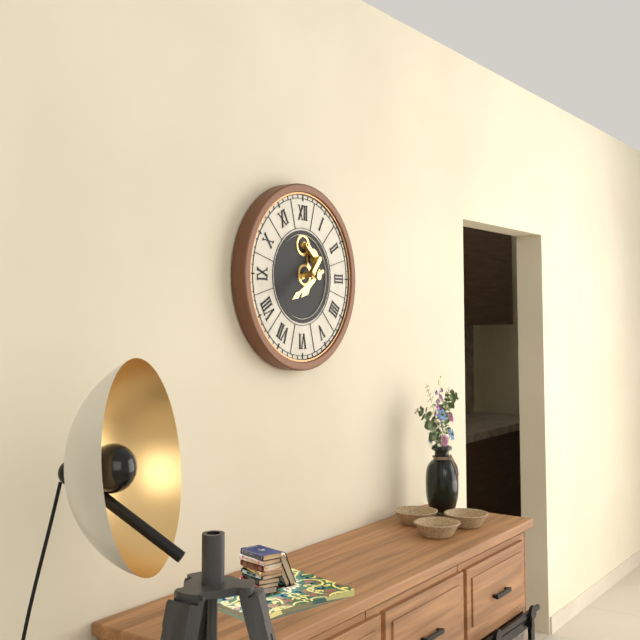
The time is **7:40**
